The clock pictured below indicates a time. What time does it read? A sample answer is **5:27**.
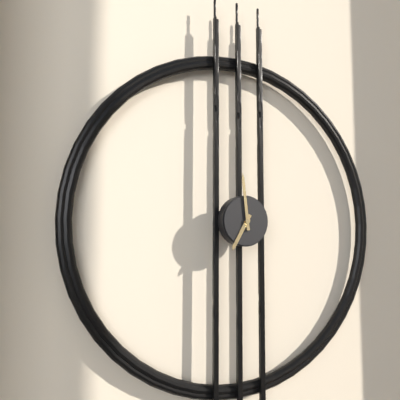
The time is **6:59**
